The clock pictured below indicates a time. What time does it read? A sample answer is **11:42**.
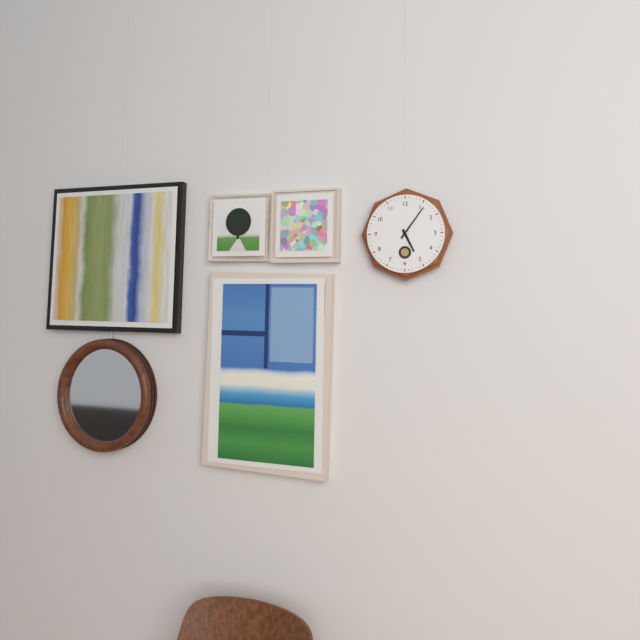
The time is **5:06**
